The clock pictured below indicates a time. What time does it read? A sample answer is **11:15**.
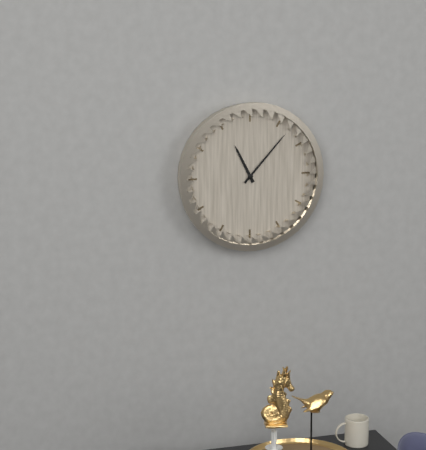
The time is **11:07**
